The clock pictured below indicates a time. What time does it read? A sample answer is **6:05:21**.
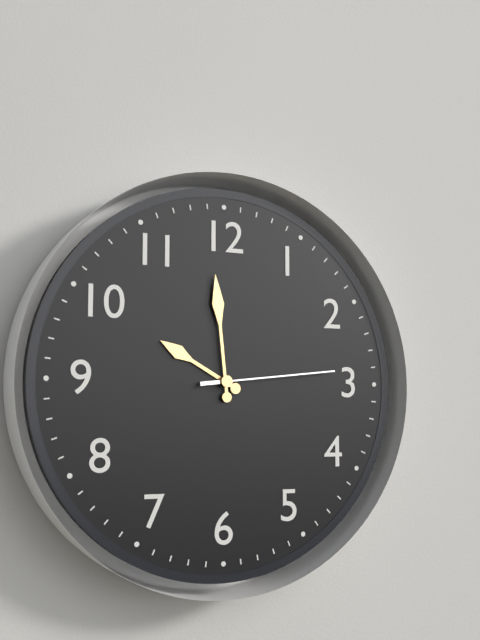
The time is **9:59:14**
